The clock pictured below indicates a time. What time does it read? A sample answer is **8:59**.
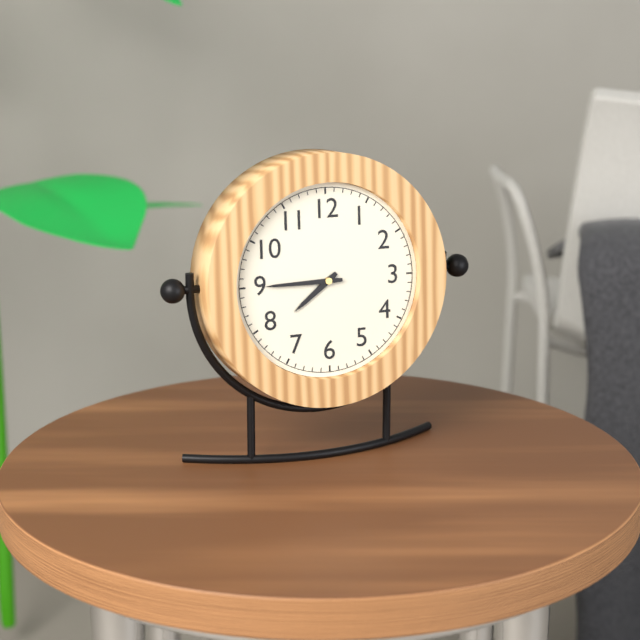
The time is **7:45**
